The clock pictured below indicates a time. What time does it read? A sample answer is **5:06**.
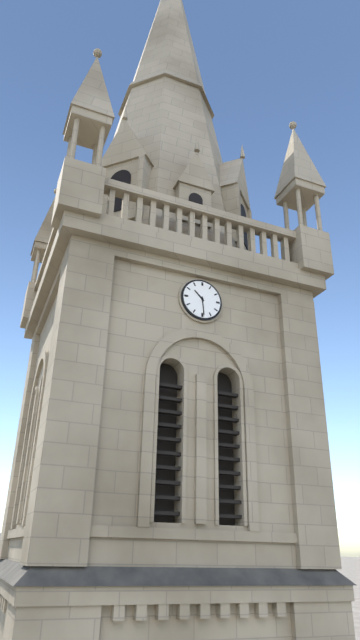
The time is **10:29**
